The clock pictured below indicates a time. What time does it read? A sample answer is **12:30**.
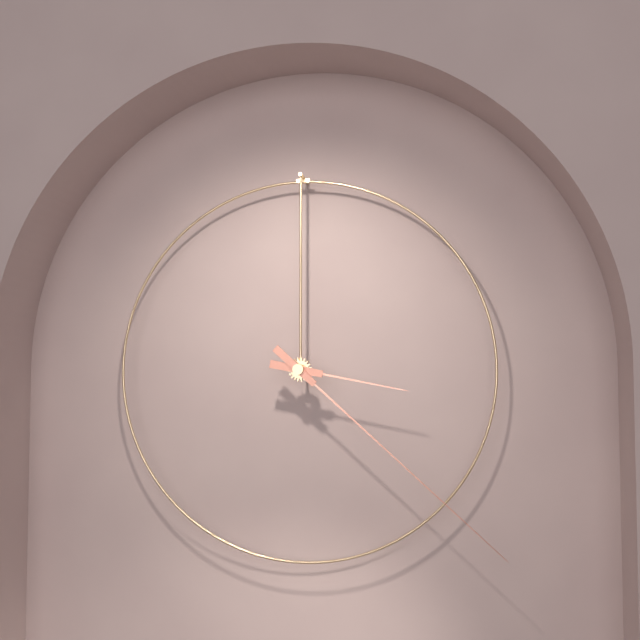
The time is **3:22**
